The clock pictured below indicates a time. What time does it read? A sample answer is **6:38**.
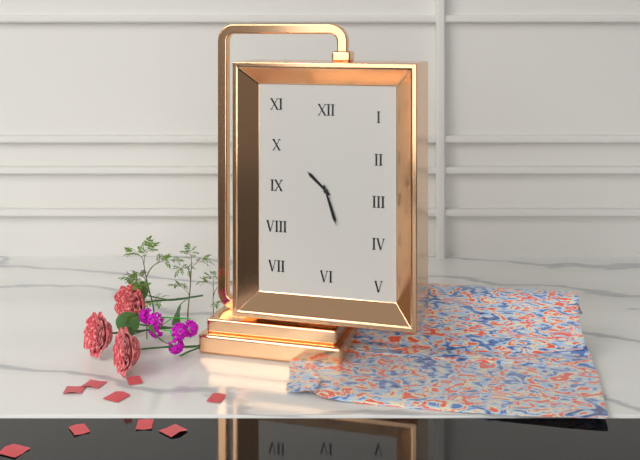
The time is **10:27**
